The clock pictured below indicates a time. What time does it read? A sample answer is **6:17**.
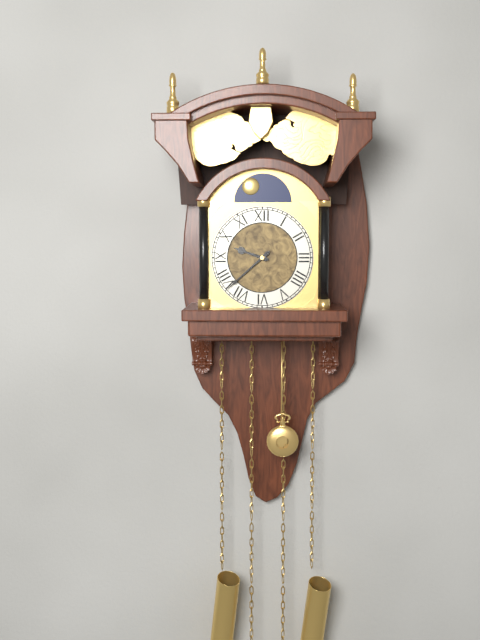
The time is **9:38**
